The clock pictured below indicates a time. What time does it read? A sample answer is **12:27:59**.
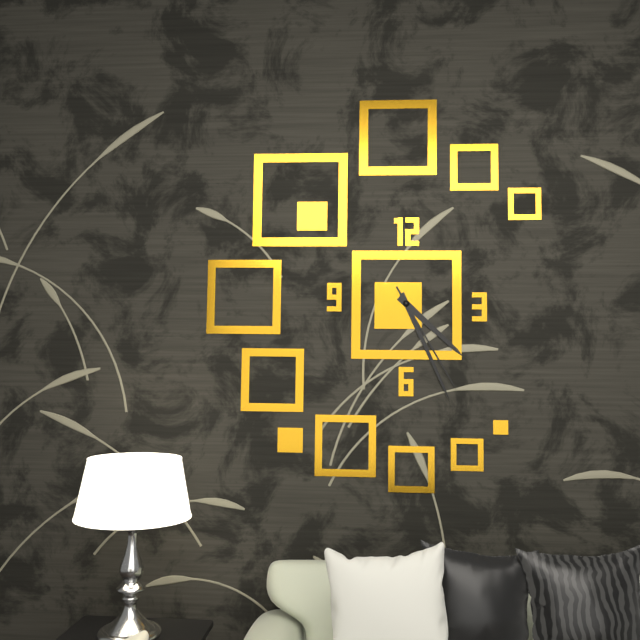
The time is **4:26:25**
